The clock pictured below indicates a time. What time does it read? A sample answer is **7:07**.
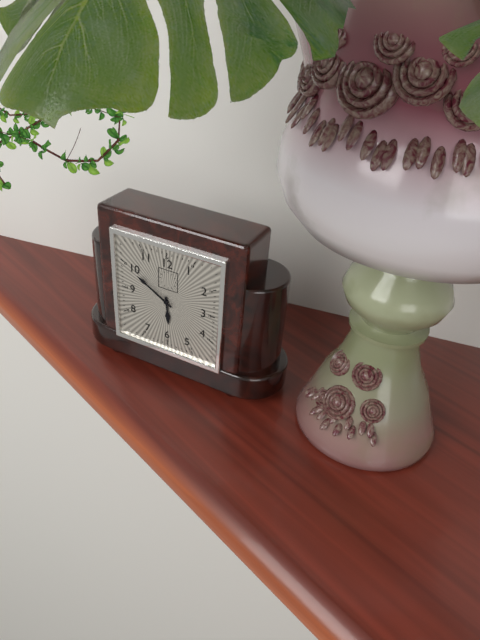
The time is **5:50**
